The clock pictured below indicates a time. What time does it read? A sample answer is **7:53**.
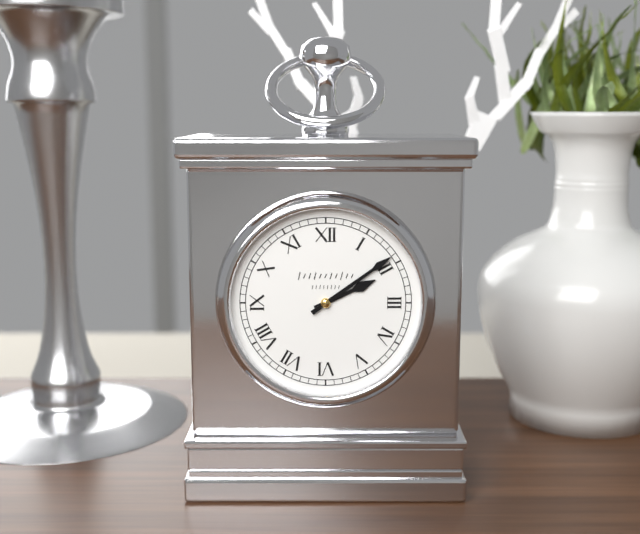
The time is **2:09**
